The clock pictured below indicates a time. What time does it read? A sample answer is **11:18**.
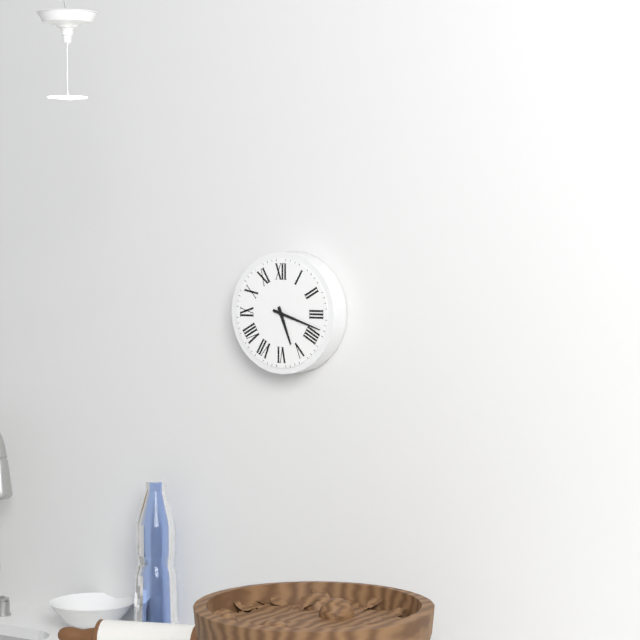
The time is **5:18**
